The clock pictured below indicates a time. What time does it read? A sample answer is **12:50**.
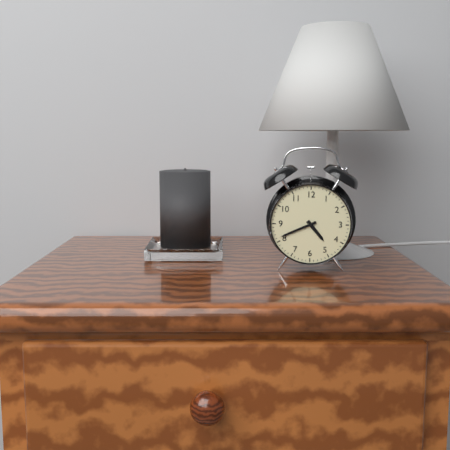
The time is **4:41**
